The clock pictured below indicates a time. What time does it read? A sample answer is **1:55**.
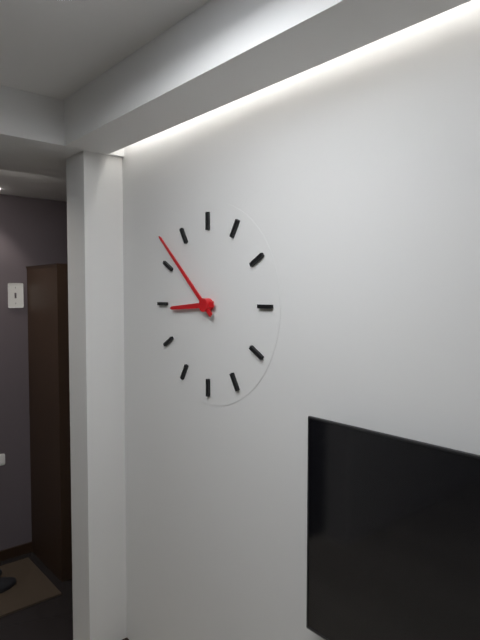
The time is **8:52**
